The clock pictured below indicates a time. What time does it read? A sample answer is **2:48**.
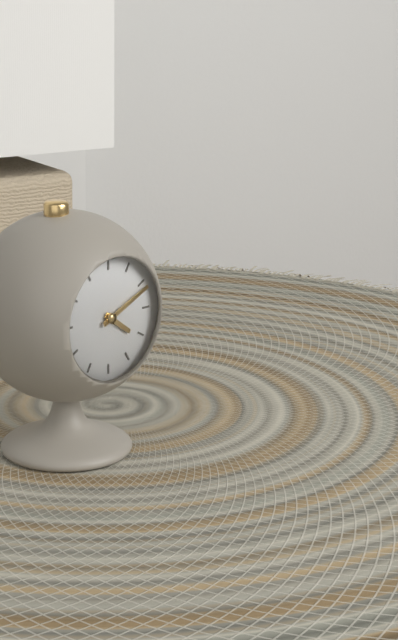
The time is **4:11**
